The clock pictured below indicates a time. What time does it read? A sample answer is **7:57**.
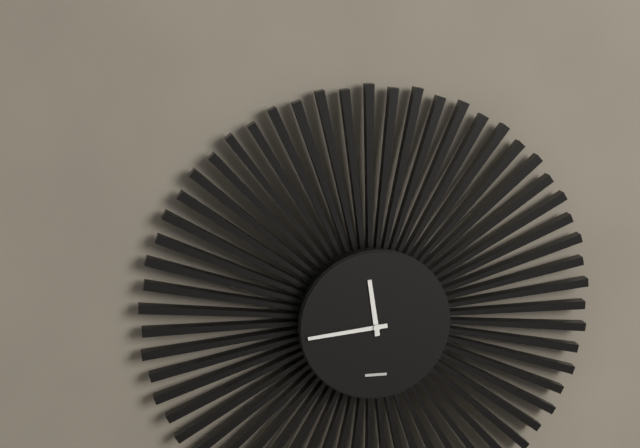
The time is **11:44**
